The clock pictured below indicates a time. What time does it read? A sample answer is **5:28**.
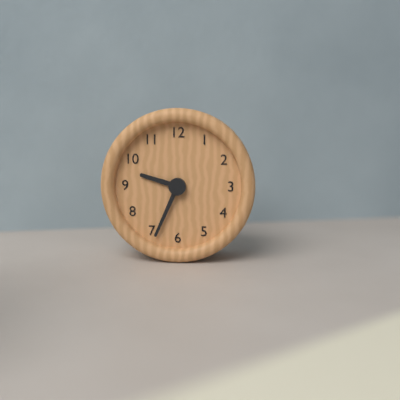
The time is **9:34**
